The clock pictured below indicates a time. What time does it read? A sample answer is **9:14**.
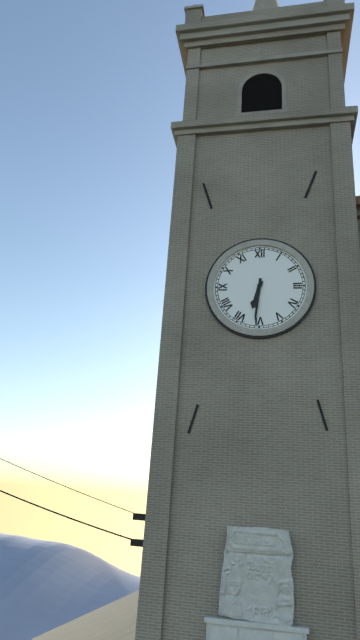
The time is **6:31**
